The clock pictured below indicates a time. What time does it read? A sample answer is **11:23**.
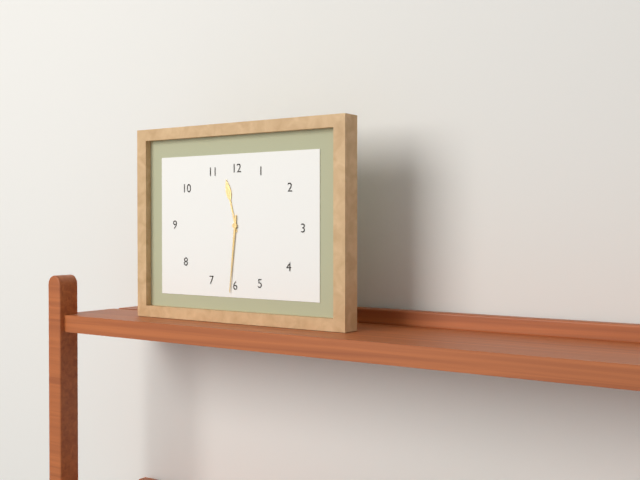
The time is **11:31**
